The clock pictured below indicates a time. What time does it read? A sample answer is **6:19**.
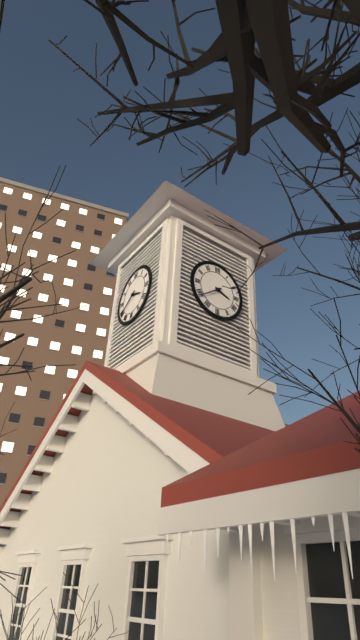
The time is **3:39**
